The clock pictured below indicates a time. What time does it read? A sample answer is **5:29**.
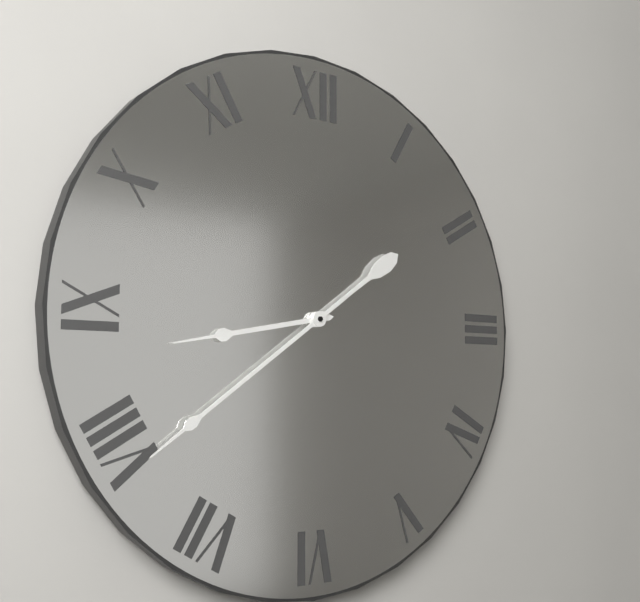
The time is **8:39**
